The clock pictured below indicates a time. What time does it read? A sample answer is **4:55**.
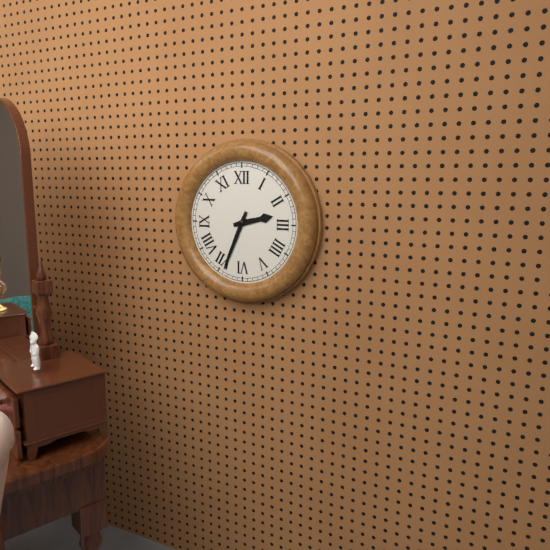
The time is **2:34**
